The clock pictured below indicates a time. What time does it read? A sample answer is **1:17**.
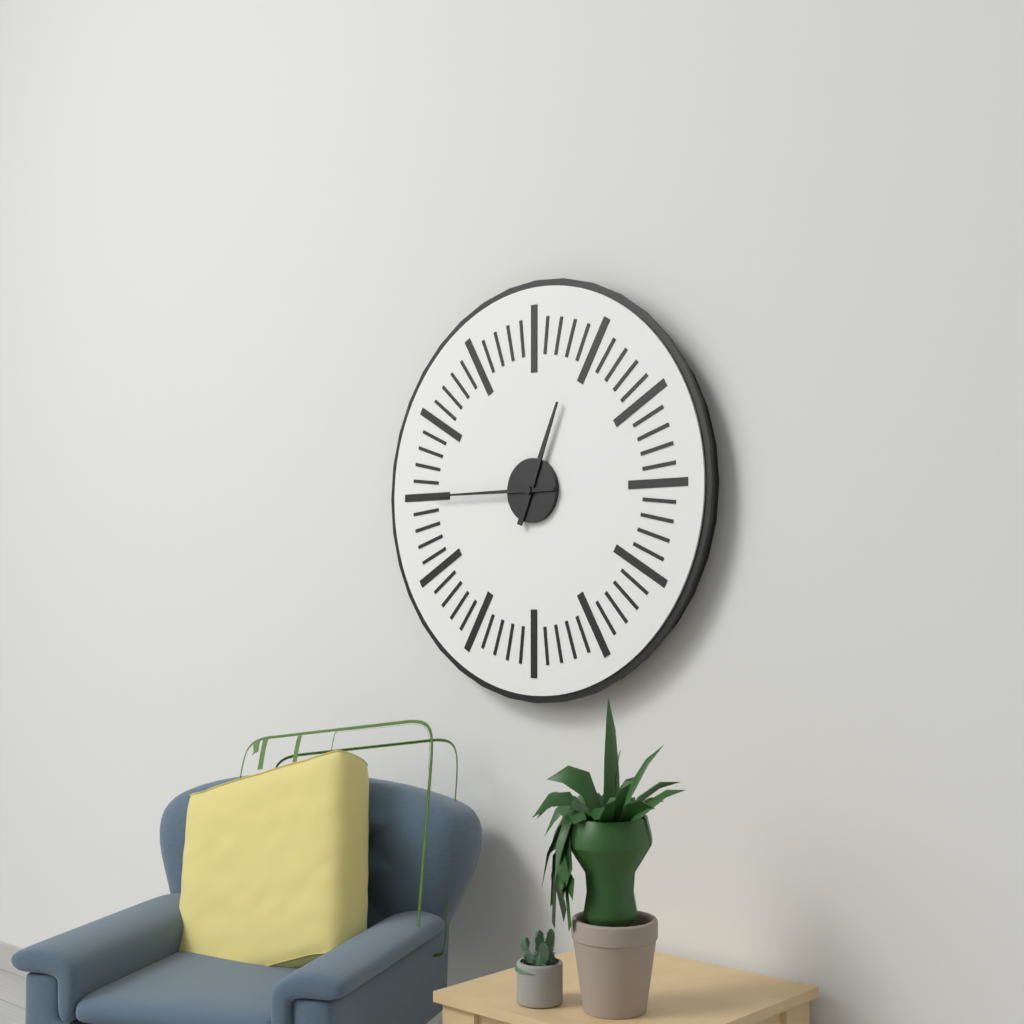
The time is **12:45**
